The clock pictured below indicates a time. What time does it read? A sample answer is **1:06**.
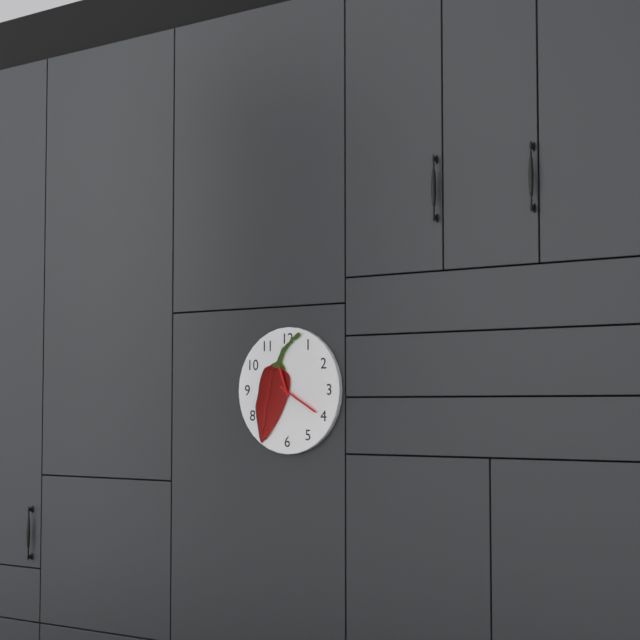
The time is **11:20**
